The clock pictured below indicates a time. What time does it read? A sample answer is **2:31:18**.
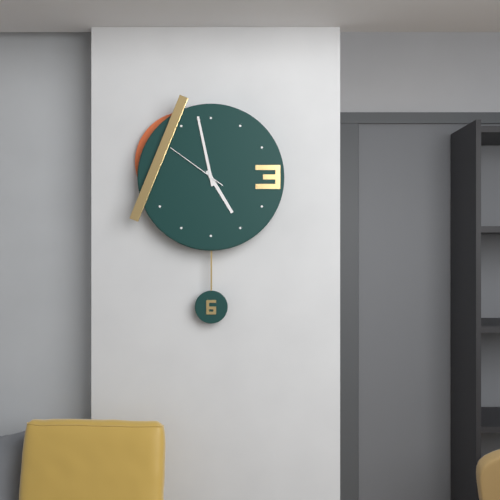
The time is **4:58:51**
